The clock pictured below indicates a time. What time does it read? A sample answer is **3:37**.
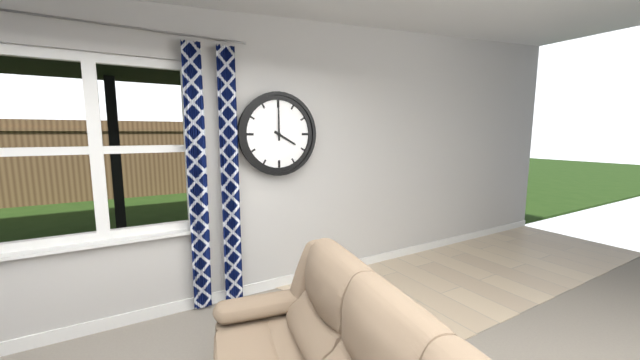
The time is **4:00**
